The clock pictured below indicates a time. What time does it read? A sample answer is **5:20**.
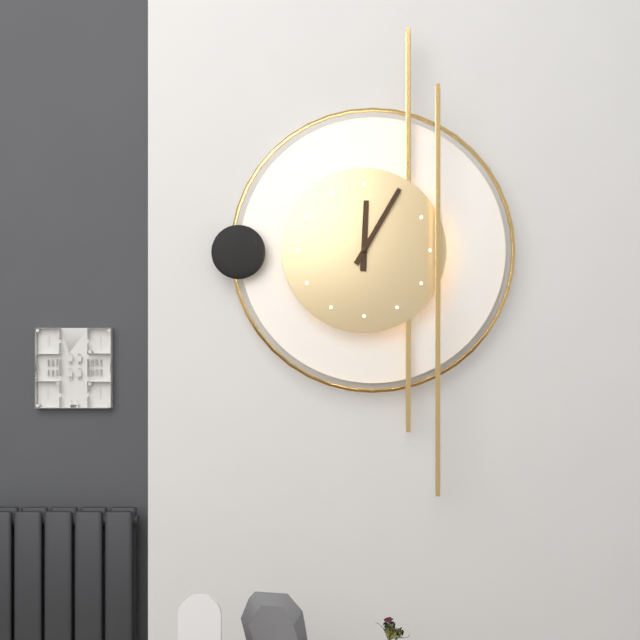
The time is **12:05**
